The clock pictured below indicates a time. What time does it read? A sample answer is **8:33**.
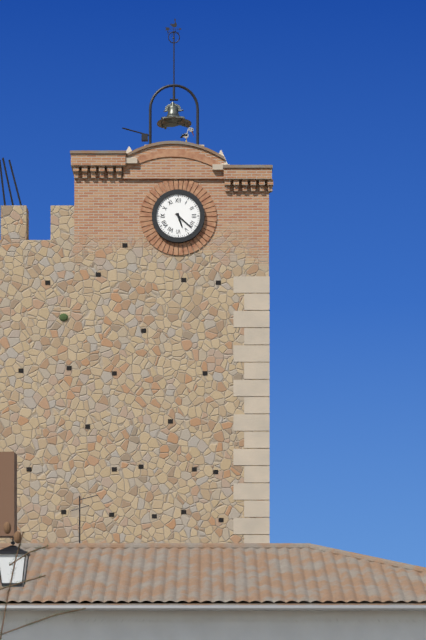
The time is **5:22**
